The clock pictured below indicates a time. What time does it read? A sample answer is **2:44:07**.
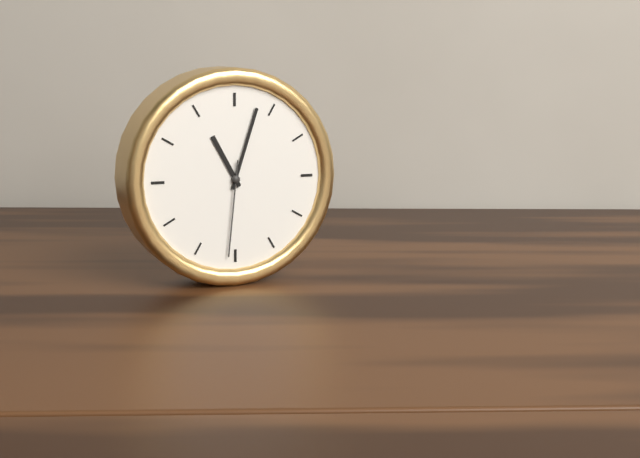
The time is **11:03:31**
